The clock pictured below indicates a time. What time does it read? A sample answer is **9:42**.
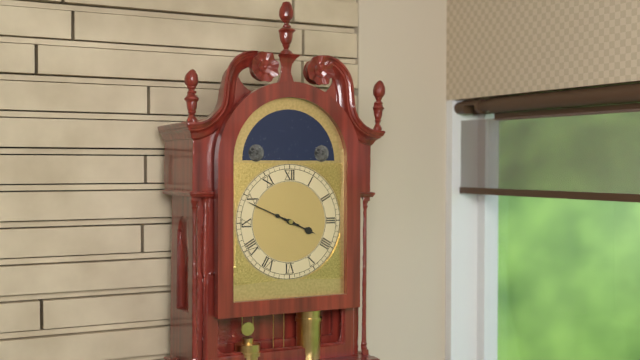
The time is **3:49**
